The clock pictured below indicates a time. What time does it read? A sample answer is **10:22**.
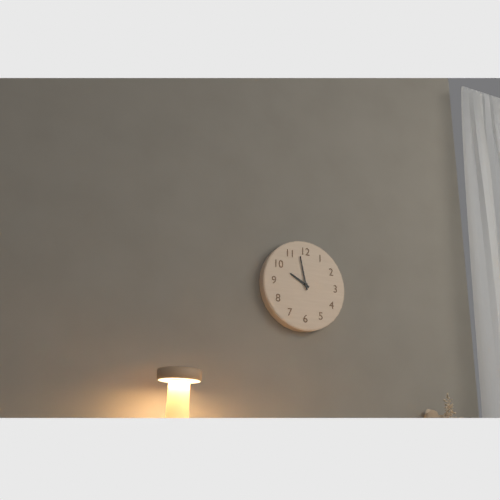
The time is **9:58**
